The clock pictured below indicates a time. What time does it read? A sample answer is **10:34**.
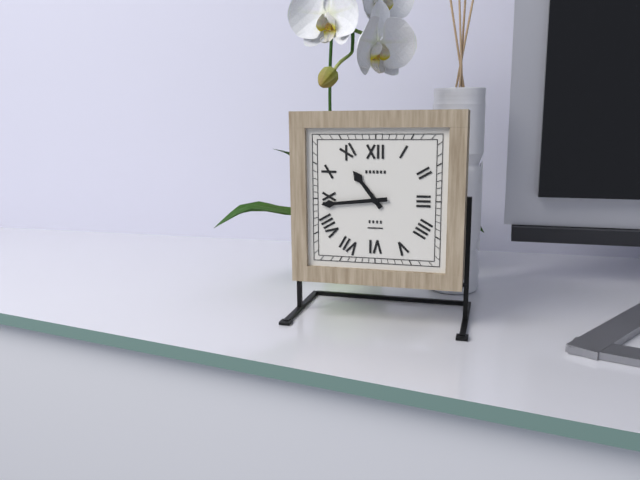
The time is **10:44**
